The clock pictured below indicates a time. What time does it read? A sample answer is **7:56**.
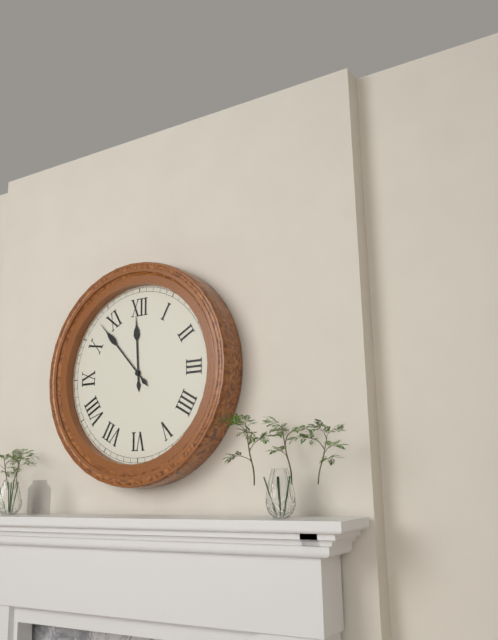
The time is **11:53**
